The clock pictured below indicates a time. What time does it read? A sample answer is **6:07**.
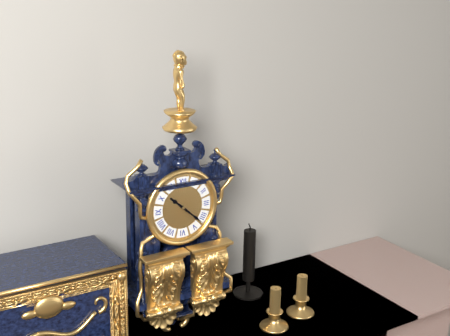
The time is **10:22**
